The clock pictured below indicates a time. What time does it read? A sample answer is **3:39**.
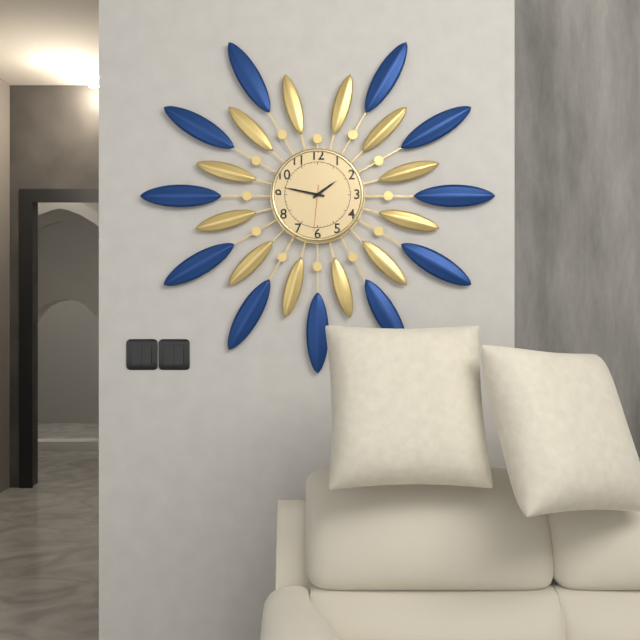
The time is **1:47**
